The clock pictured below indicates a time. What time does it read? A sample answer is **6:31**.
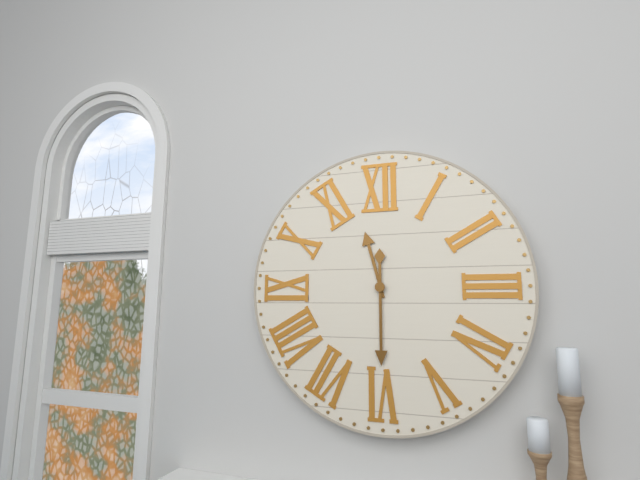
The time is **11:30**
